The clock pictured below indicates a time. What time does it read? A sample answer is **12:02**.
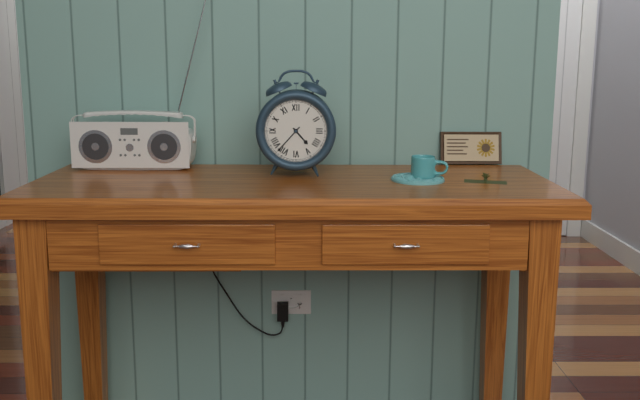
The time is **4:37**
